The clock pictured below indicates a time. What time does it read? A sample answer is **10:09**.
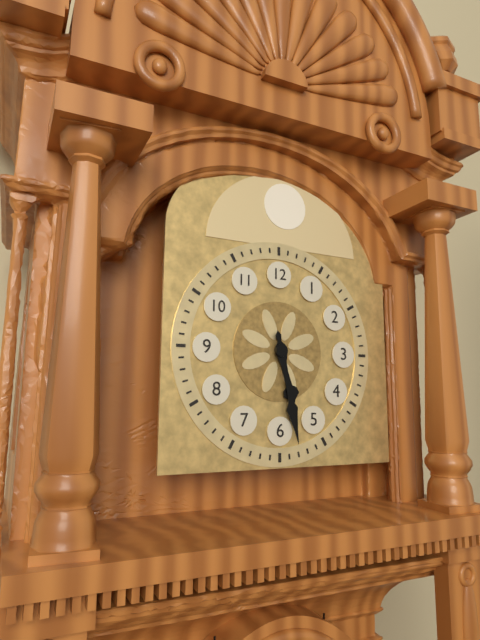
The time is **5:28**
